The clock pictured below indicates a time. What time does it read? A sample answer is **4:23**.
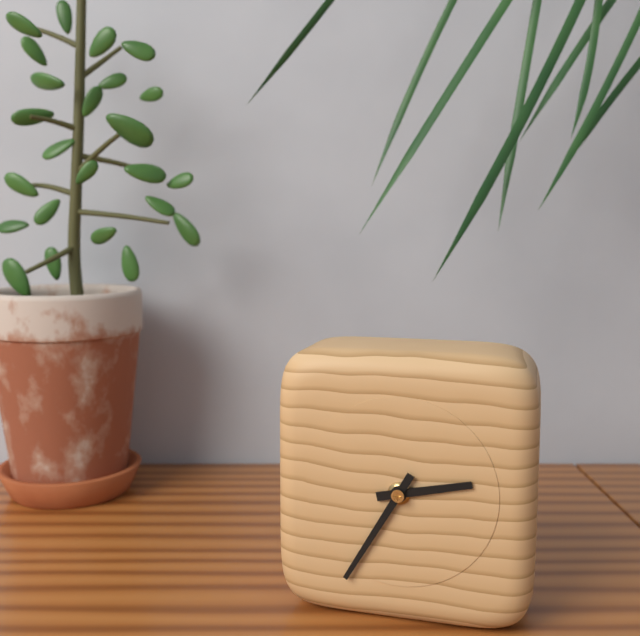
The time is **2:35**
